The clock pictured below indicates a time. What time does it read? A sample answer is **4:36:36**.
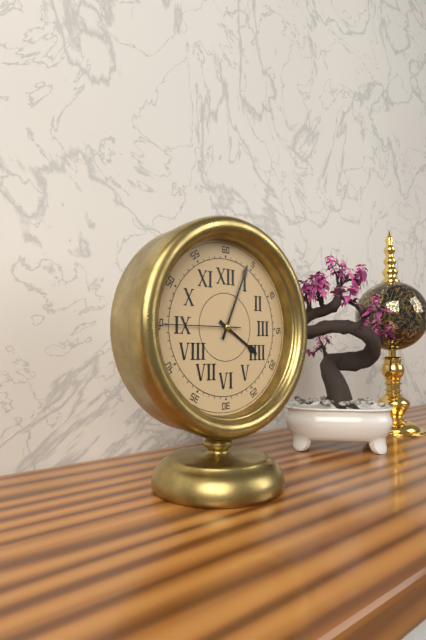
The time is **4:04:45**
